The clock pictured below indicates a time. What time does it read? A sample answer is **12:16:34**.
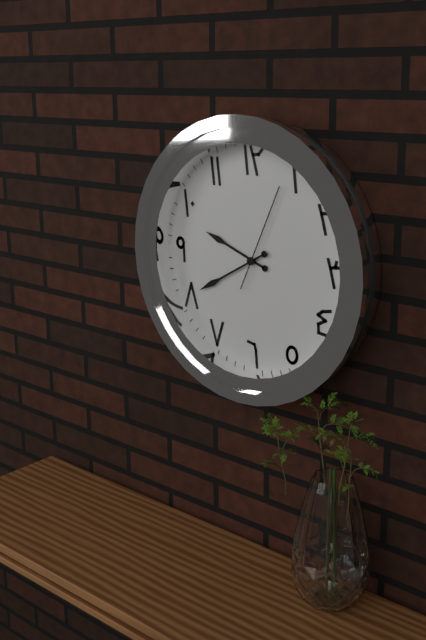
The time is **9:40:04**
